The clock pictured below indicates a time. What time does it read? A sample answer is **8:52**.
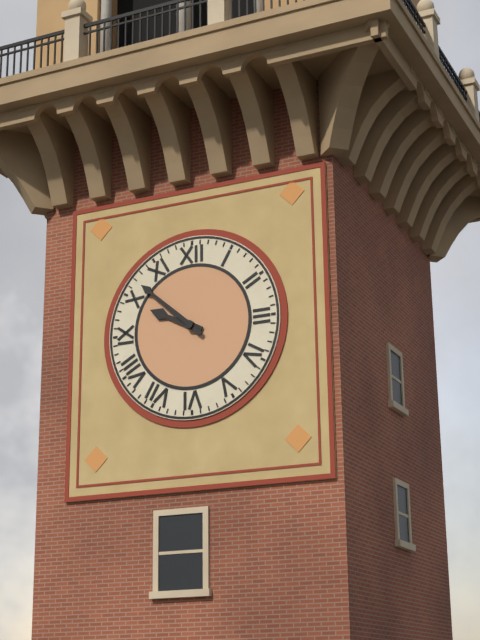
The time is **9:52**
